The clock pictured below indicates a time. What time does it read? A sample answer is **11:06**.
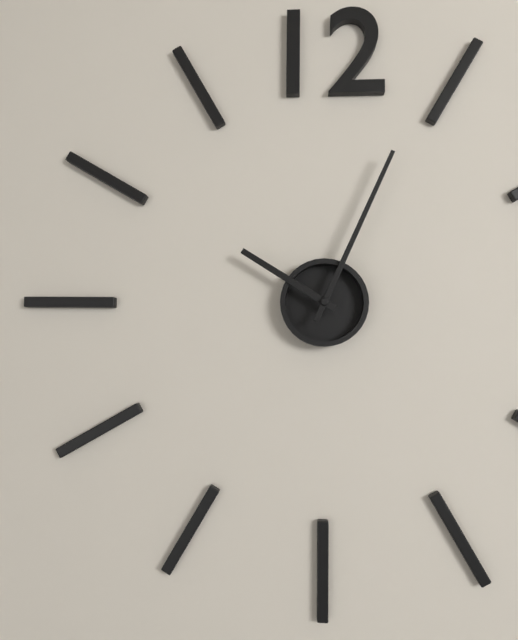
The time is **10:04**
